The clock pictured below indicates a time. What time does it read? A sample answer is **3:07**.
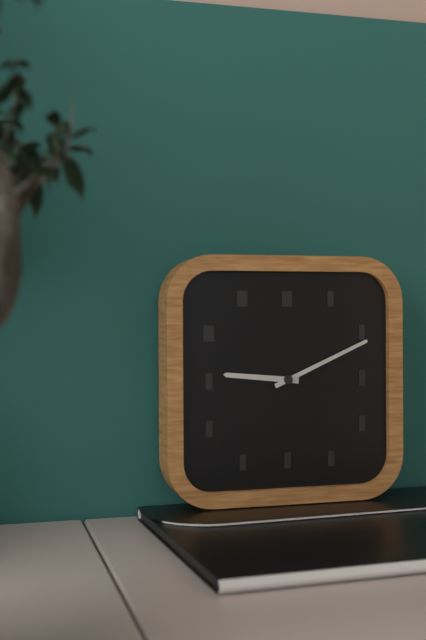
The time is **9:11**
